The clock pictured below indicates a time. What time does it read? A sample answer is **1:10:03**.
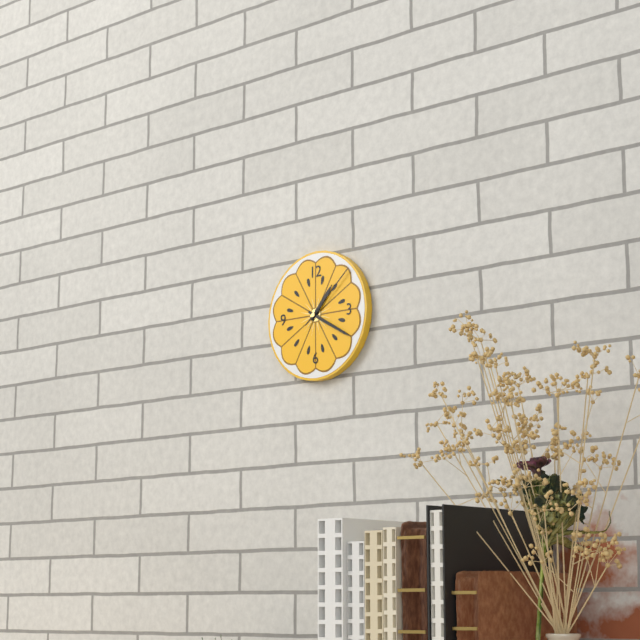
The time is **1:20:08**
